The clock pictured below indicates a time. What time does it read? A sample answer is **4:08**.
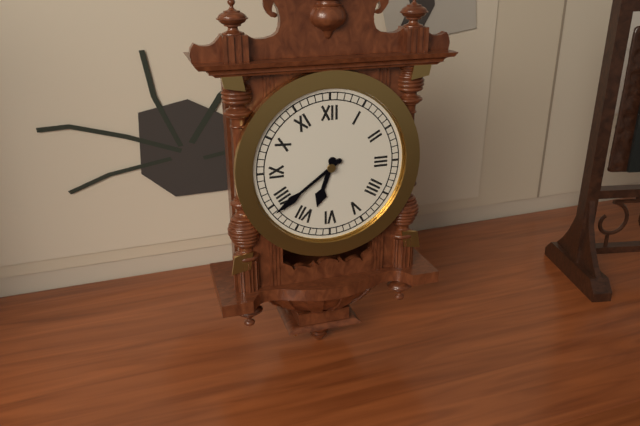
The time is **6:39**
